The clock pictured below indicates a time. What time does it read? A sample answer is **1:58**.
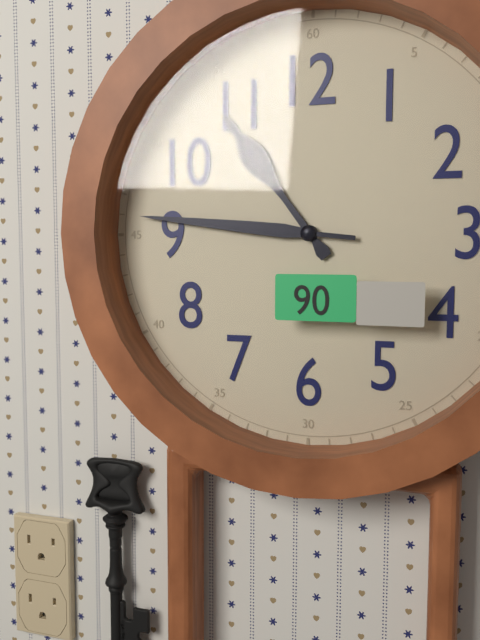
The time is **10:46**
